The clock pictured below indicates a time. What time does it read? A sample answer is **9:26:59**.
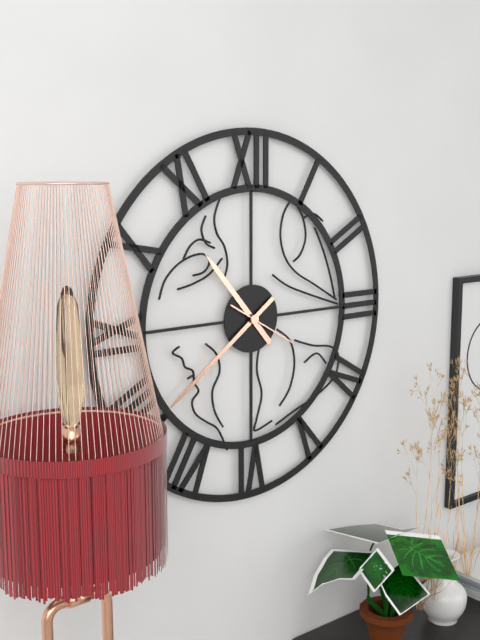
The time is **10:39:20**
